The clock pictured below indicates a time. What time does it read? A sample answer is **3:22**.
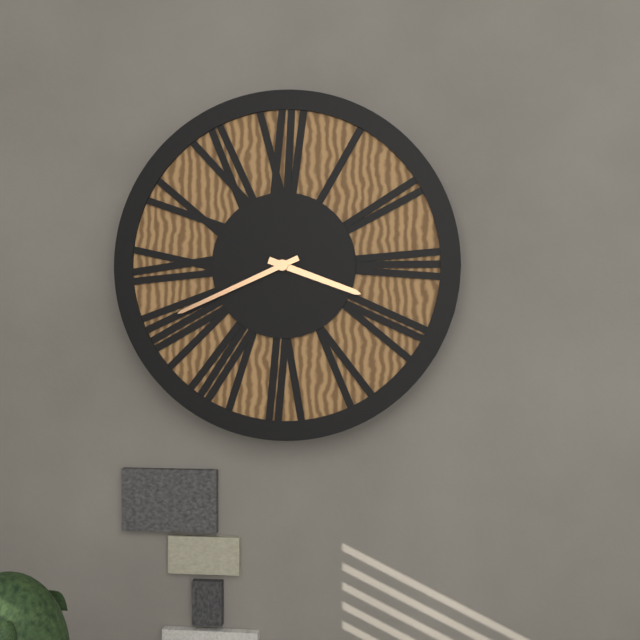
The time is **3:41**
